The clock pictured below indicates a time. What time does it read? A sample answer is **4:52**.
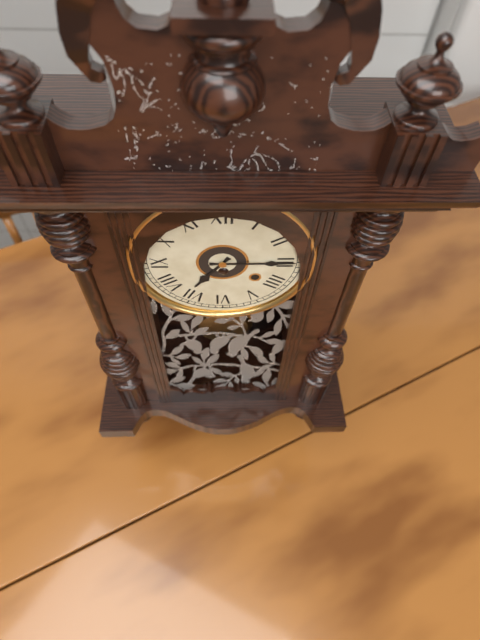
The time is **7:15**
